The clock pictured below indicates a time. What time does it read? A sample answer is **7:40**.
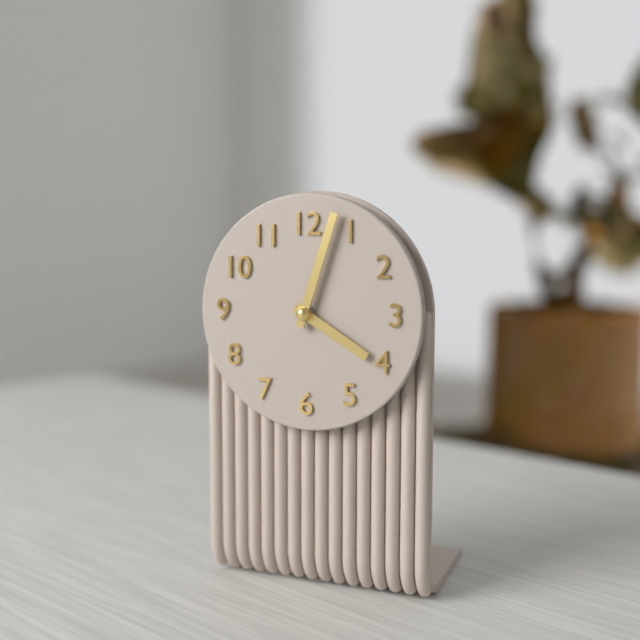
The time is **4:03**
